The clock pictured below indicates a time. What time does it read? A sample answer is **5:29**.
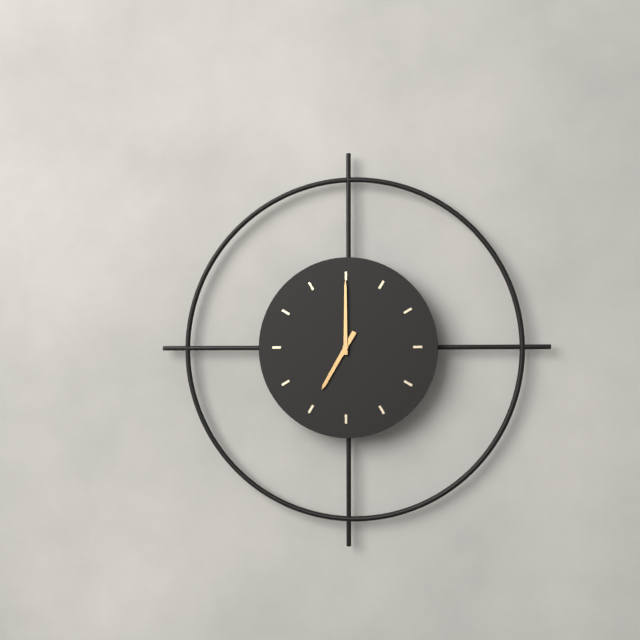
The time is **7:00**
